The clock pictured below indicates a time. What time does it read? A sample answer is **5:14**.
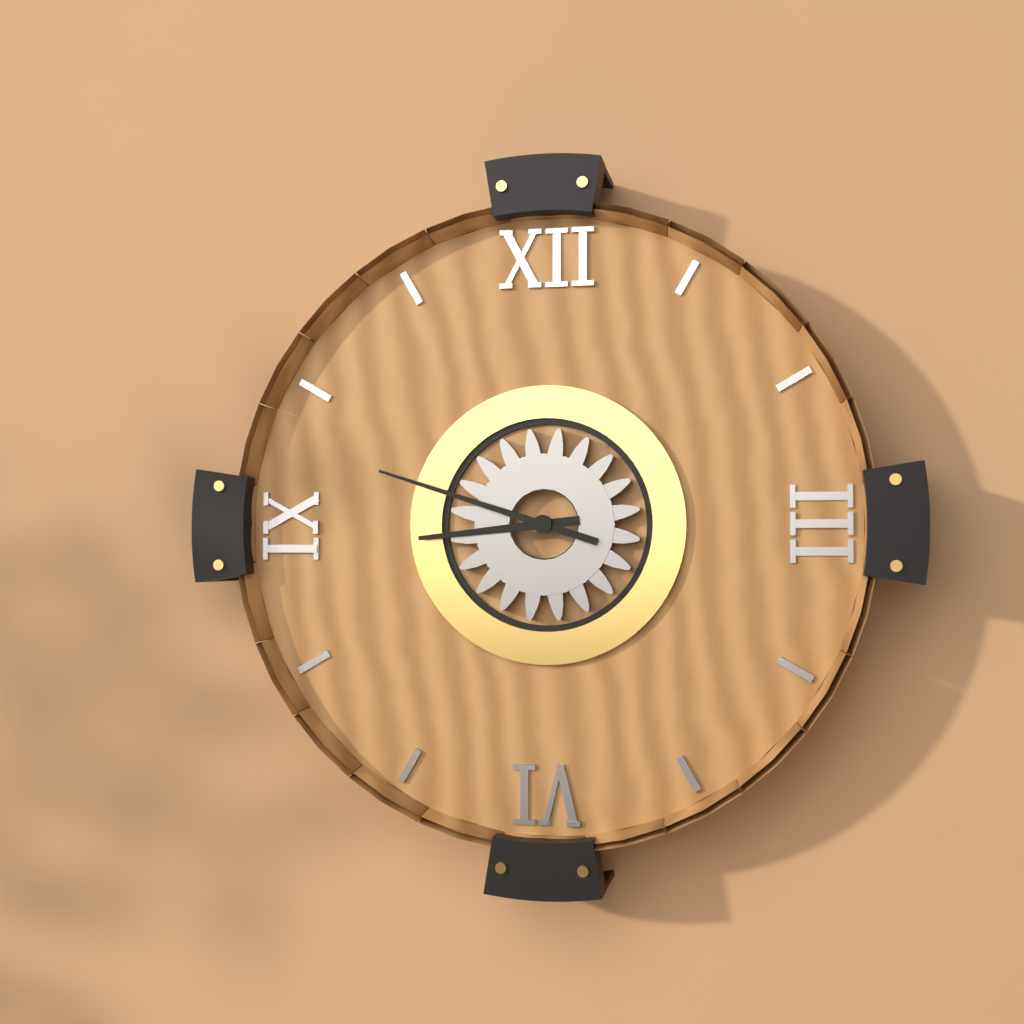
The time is **8:48**
